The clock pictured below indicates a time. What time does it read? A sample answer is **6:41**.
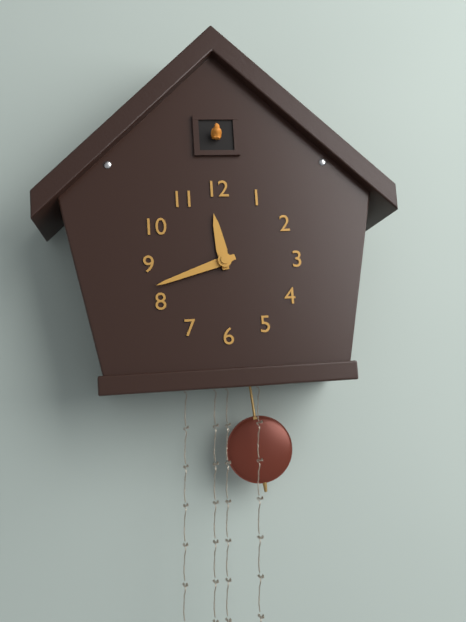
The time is **11:42**
